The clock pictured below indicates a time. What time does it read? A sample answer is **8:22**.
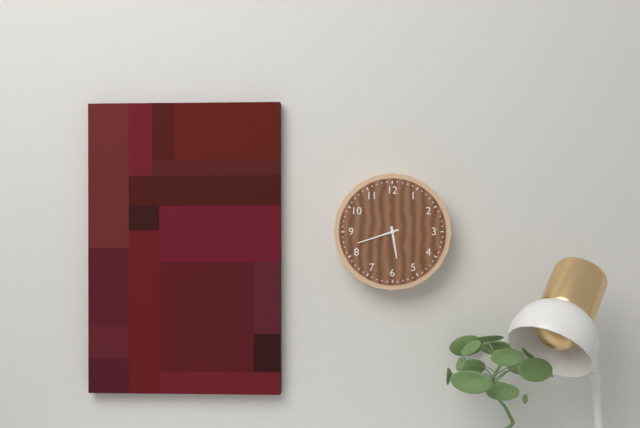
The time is **5:42**
